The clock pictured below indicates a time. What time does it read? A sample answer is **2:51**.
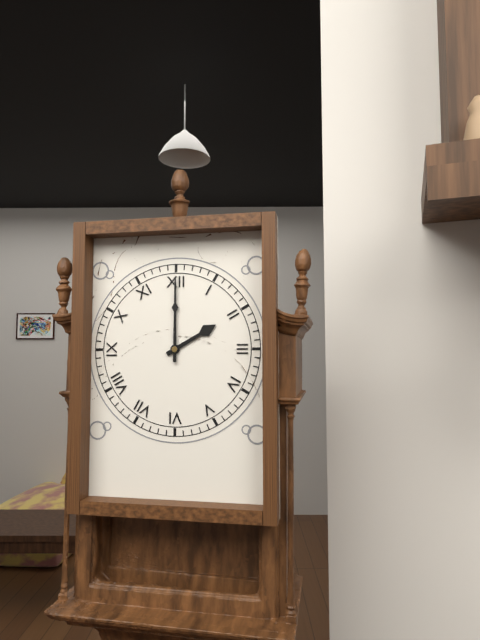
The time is **2:00**
